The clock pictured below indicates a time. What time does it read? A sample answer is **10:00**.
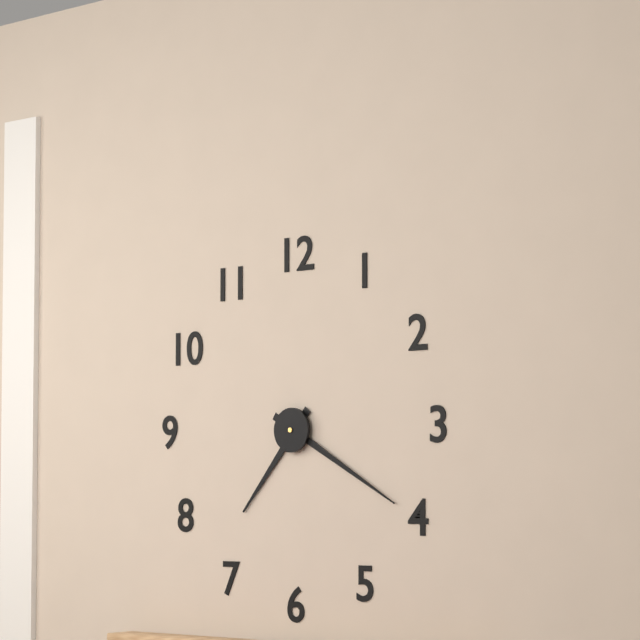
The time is **7:20**
